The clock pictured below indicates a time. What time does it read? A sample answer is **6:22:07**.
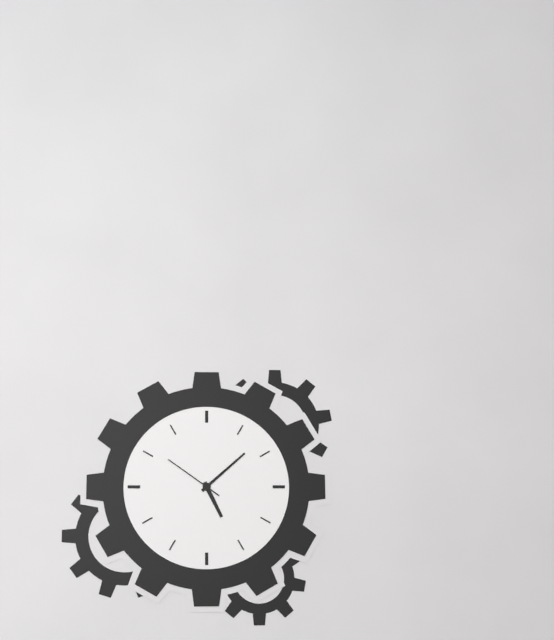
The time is **5:08:51**
